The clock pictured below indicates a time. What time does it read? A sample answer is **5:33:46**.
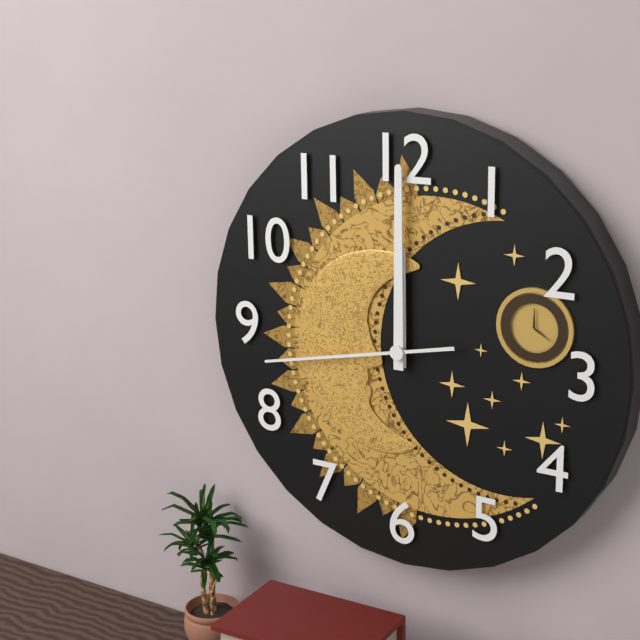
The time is **12:00:43**
